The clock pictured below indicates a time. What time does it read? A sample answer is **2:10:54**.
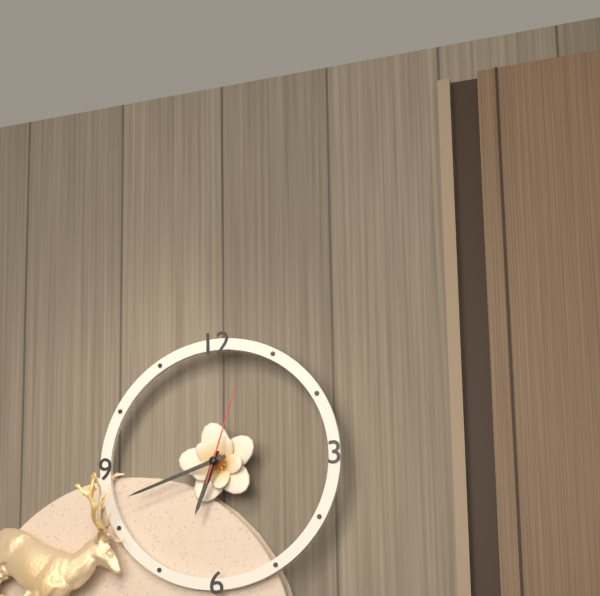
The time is **6:42:03**
